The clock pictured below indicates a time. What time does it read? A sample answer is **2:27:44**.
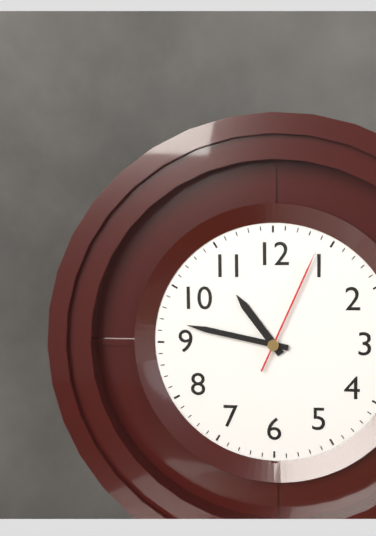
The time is **10:47:04**
